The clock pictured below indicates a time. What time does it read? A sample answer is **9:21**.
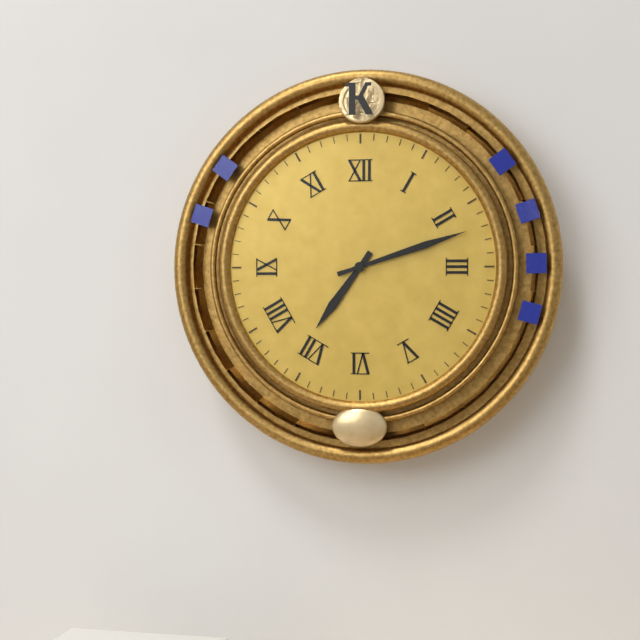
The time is **7:12**
